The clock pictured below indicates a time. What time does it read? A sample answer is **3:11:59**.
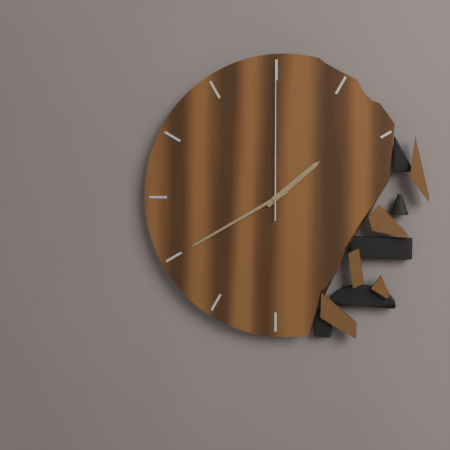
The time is **1:40:00**
